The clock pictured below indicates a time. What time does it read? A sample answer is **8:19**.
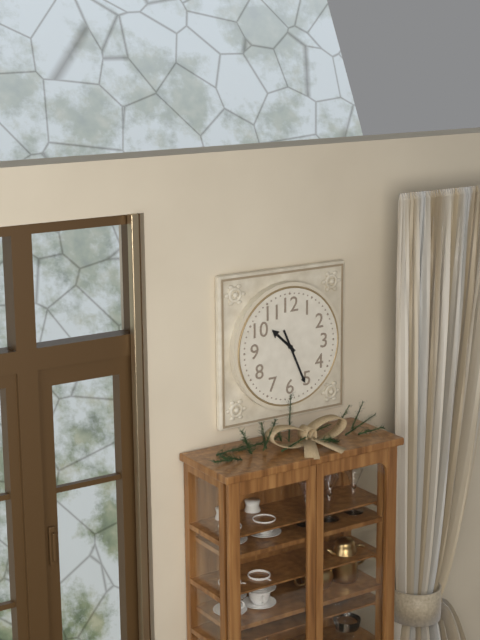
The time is **10:26**
